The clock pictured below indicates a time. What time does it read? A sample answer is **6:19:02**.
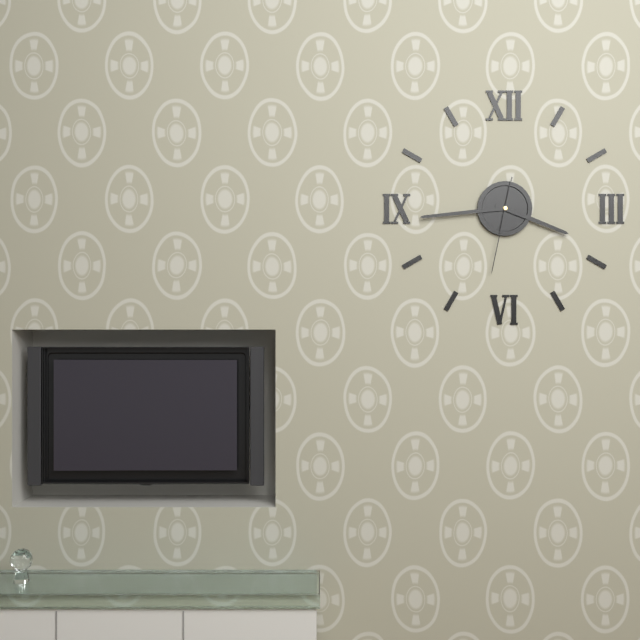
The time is **3:44:32**
